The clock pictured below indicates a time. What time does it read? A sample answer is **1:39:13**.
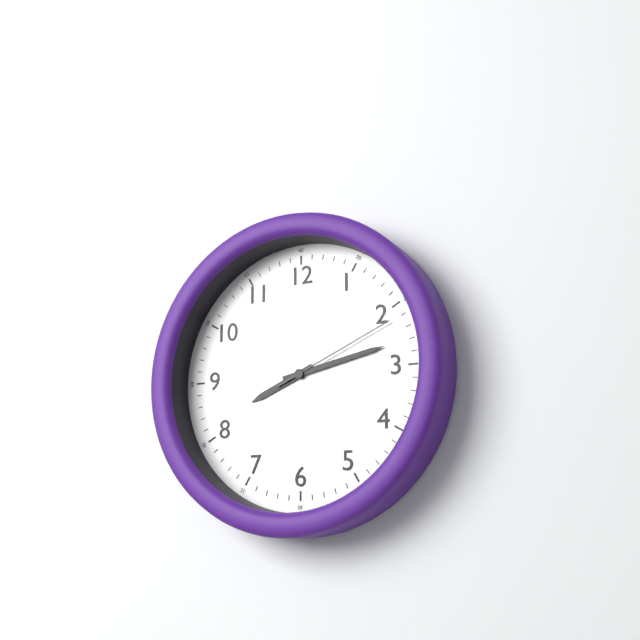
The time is **8:13:11**
